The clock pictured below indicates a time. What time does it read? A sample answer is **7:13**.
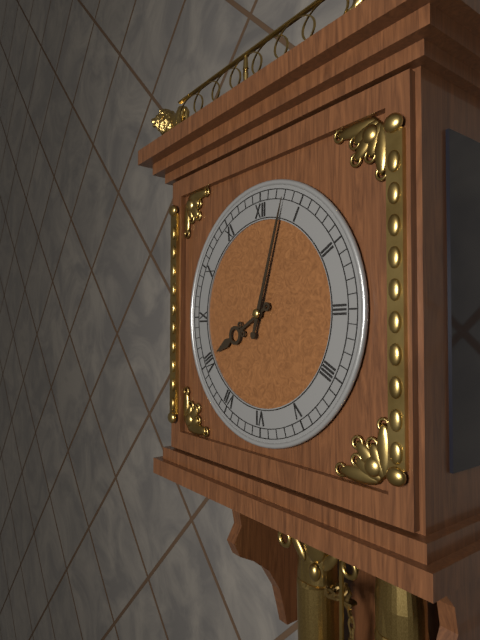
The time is **8:03**
